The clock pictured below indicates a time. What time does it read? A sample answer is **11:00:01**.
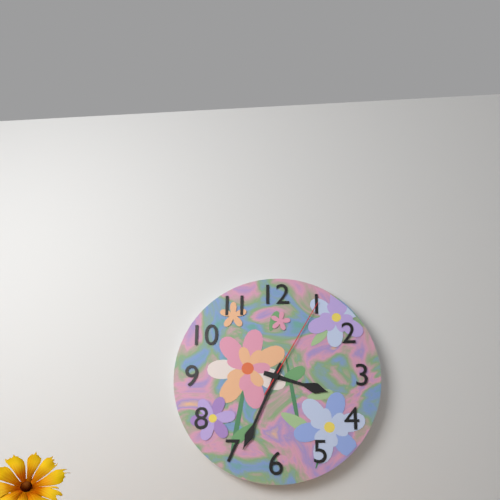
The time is **3:34:05**
